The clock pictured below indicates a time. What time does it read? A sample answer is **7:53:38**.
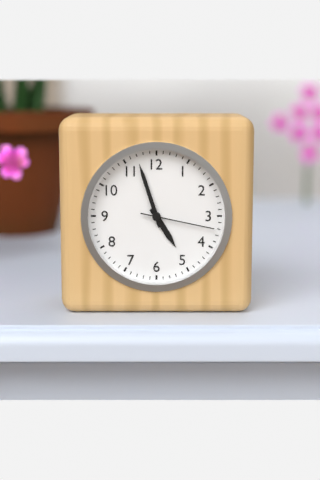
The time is **4:57:17**
